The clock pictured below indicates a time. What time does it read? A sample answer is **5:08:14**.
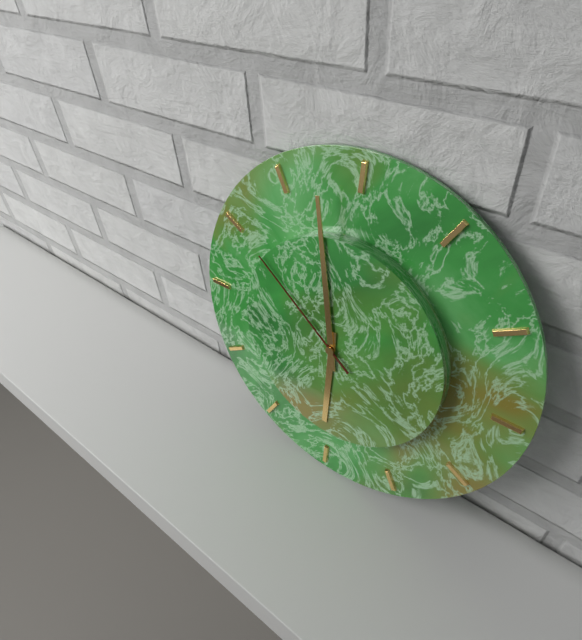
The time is **5:58:51**
